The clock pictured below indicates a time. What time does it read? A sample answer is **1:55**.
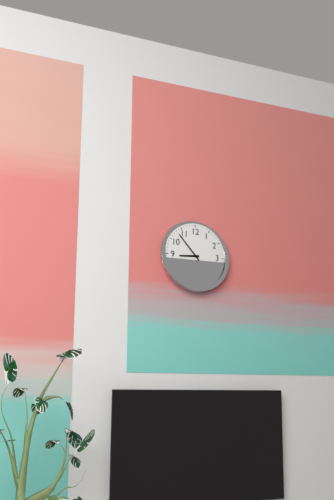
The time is **8:53**
